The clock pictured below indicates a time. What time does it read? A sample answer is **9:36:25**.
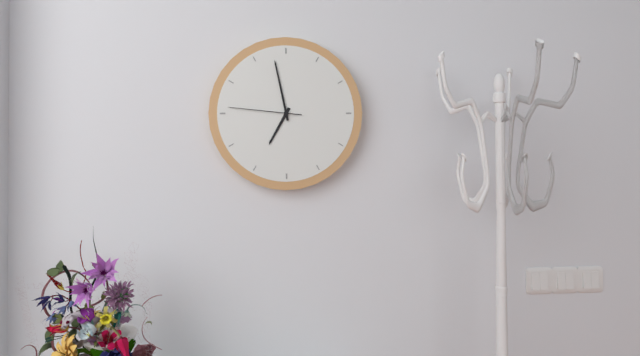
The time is **6:58:46**
